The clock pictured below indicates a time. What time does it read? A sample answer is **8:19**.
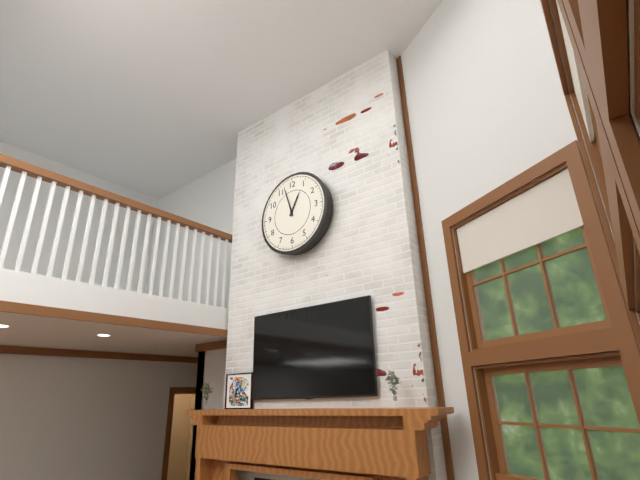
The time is **12:57**
